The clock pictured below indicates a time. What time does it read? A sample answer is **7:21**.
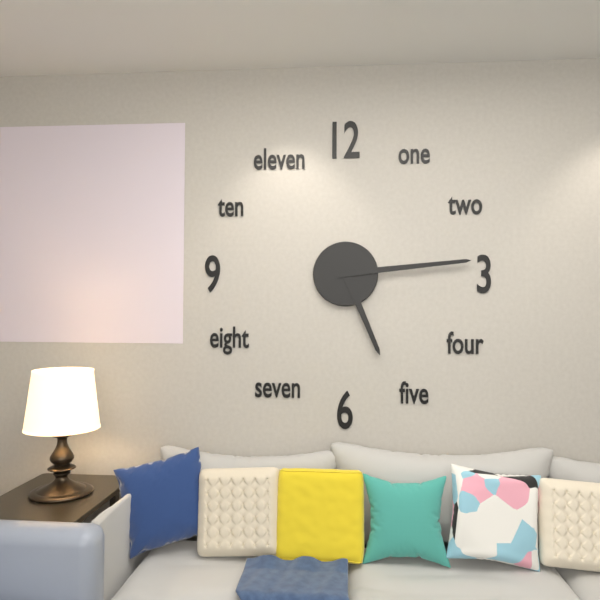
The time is **5:14**
